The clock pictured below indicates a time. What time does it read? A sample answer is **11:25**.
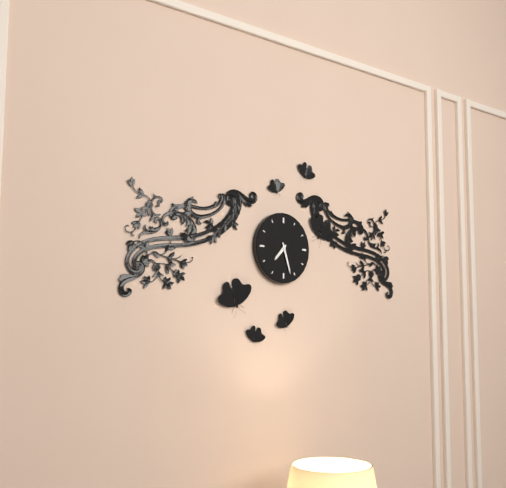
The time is **7:27**
